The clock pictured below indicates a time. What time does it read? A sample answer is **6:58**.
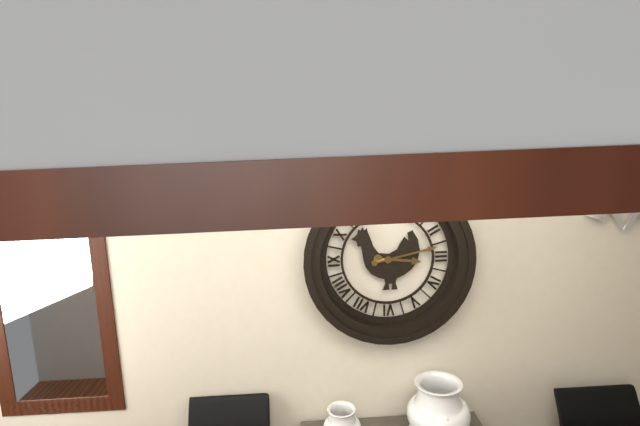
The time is **3:13**
